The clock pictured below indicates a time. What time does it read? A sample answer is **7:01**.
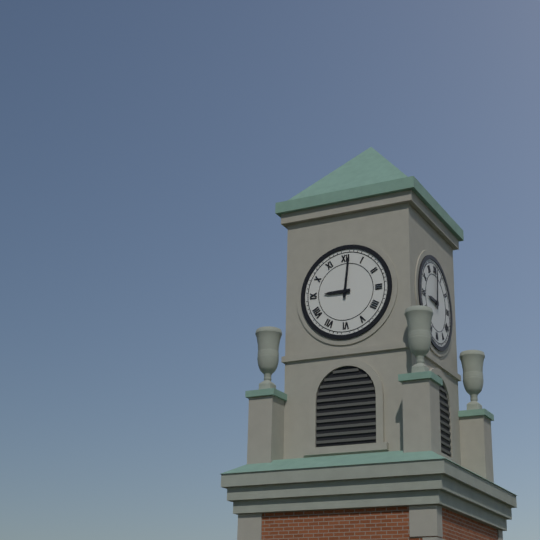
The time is **9:01**
